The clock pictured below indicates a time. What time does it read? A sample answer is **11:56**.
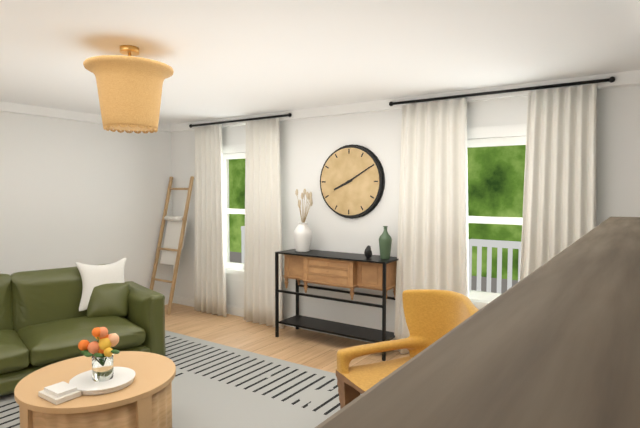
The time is **8:10**
